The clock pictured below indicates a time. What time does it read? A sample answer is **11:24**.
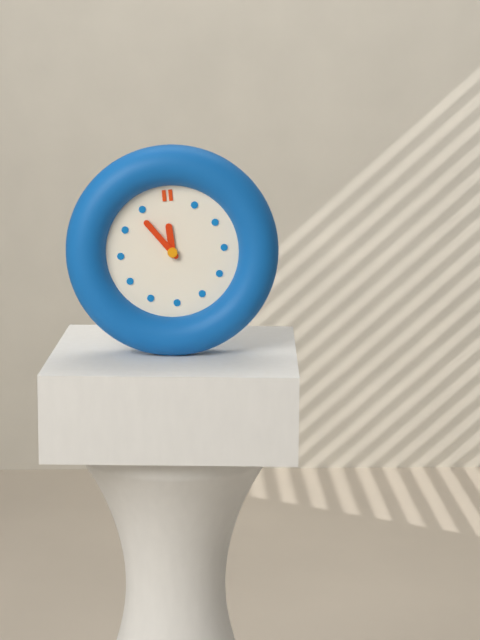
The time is **11:54**
